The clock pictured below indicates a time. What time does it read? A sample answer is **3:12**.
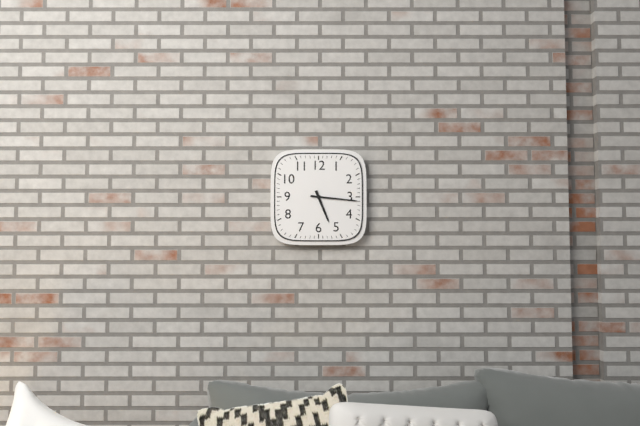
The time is **5:16**
